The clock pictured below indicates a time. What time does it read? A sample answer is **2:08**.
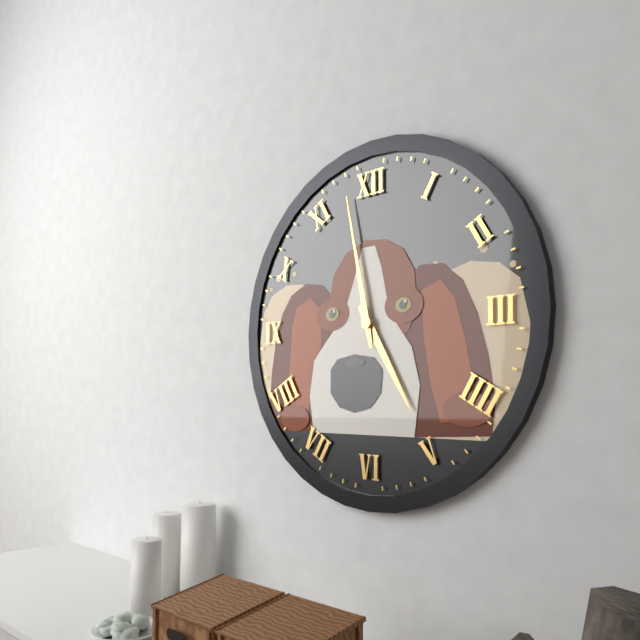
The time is **4:58**
